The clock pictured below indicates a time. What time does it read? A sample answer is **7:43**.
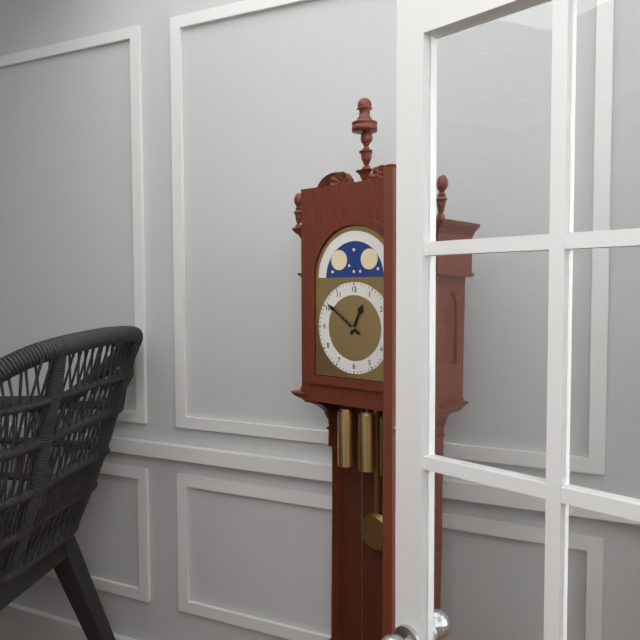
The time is **12:51**
